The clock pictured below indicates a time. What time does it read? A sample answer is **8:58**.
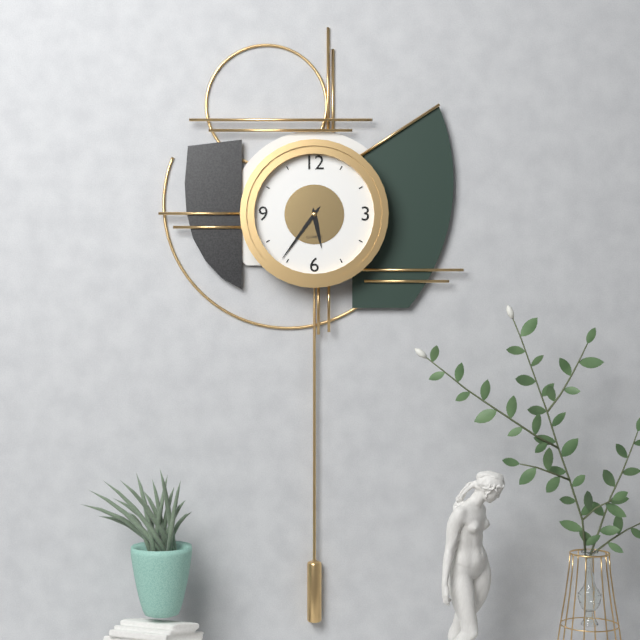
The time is **5:36**
